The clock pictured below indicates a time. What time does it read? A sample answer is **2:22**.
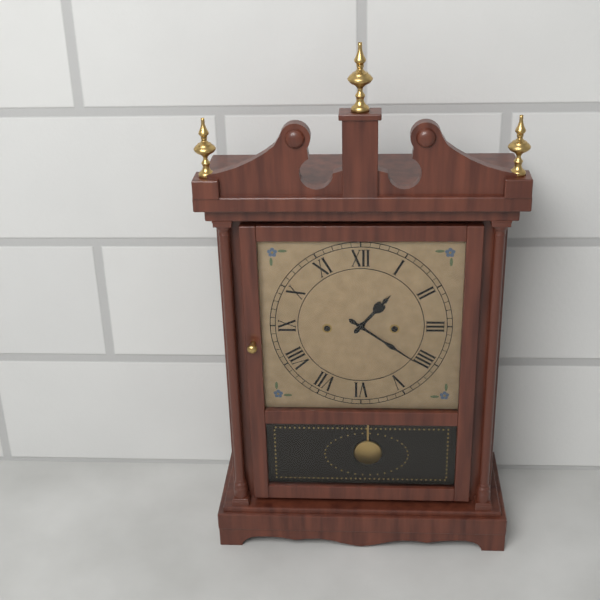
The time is **1:21**
